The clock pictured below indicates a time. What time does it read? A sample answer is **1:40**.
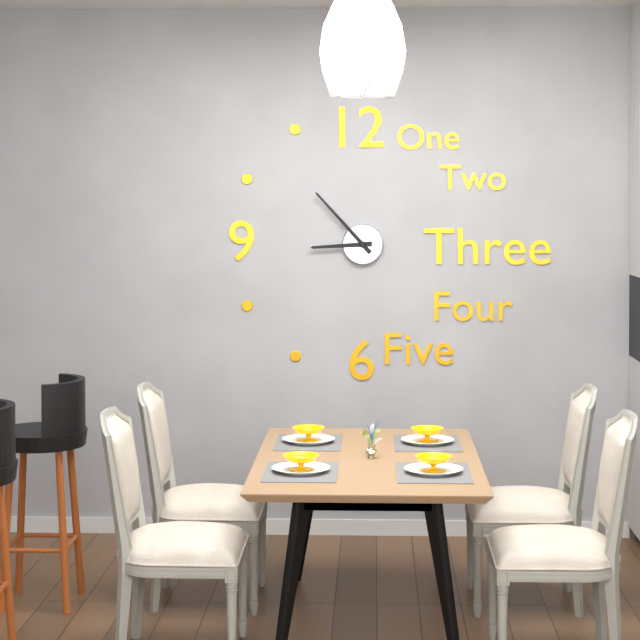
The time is **8:53**
